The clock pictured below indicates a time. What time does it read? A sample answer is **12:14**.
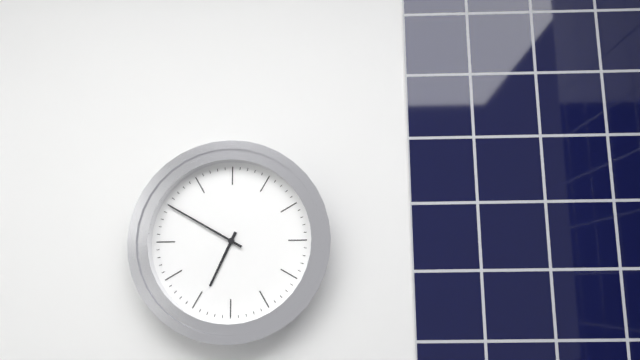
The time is **6:50**
